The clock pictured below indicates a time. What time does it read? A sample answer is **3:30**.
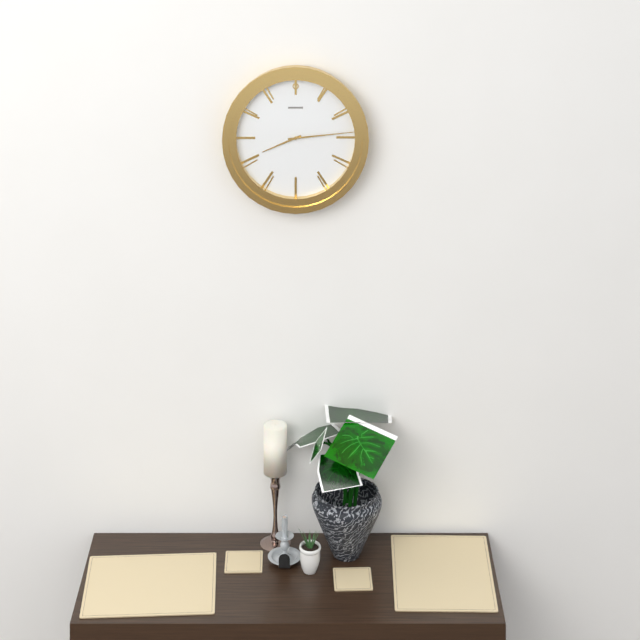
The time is **8:14**
